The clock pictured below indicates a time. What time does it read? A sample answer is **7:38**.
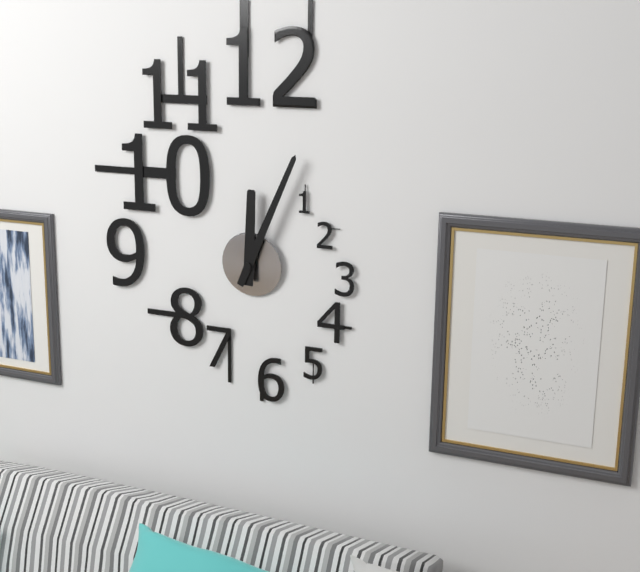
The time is **12:04**
